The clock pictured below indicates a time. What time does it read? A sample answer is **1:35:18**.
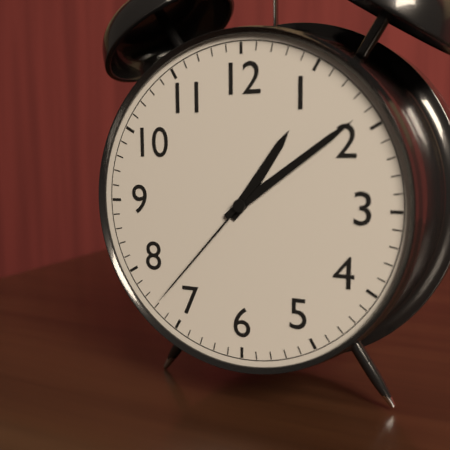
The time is **1:09:37**
